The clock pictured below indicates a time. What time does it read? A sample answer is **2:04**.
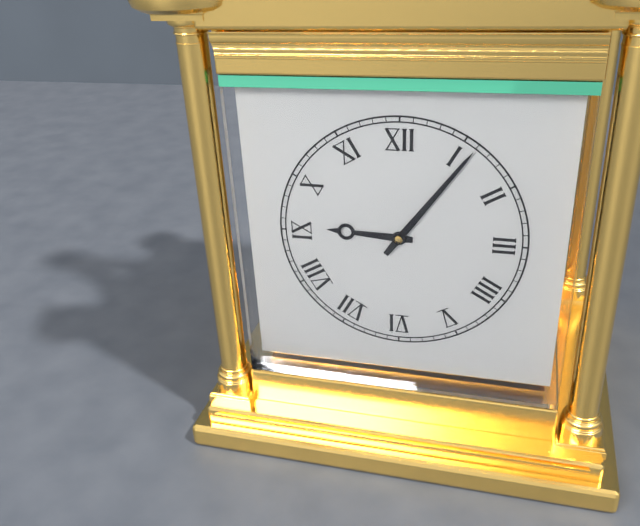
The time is **9:06**
